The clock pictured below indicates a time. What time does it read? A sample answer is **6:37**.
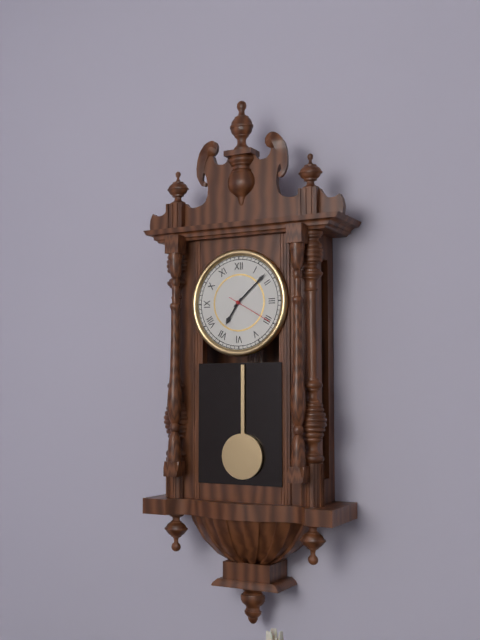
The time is **7:08**
